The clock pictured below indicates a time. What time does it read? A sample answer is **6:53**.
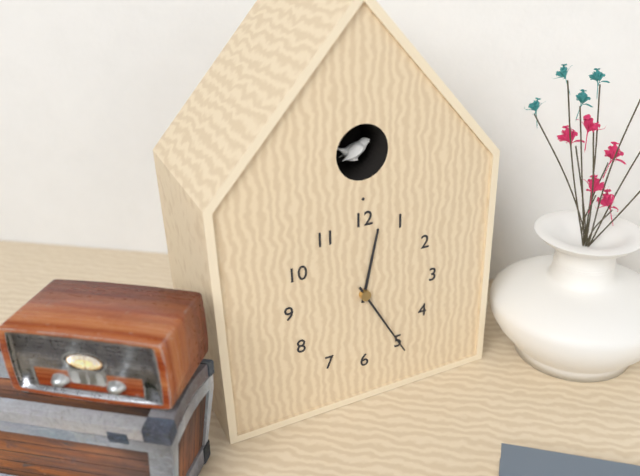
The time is **12:25**
